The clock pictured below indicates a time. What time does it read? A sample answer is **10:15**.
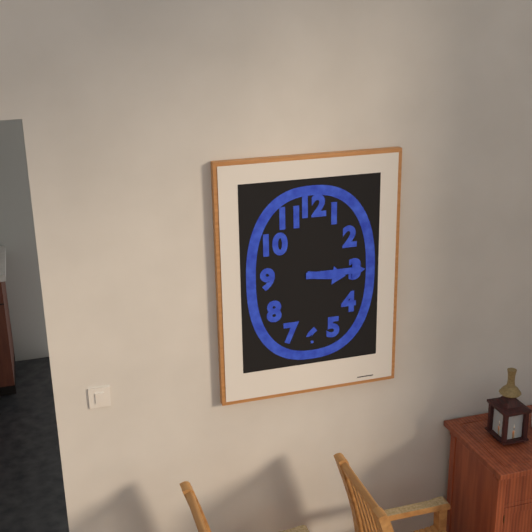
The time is **3:15**
